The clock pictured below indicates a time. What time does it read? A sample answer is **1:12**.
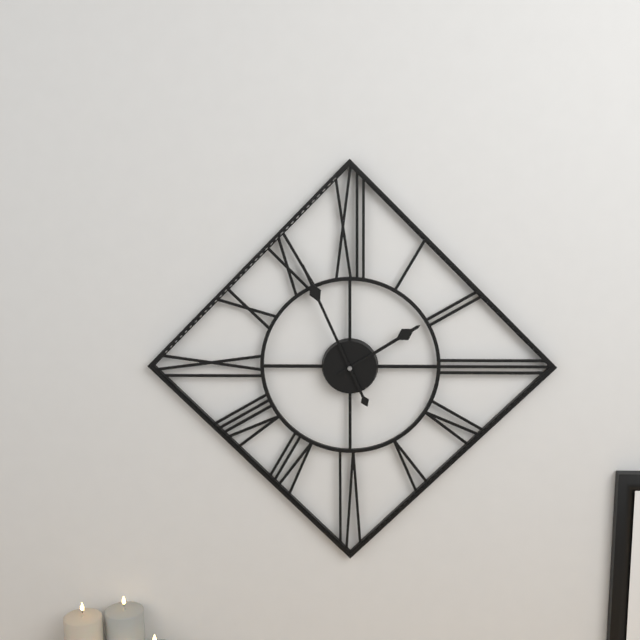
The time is **1:56**
